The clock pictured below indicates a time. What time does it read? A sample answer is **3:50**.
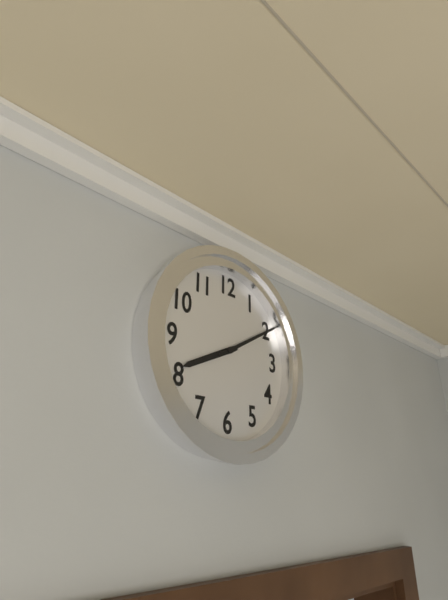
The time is **8:10**
